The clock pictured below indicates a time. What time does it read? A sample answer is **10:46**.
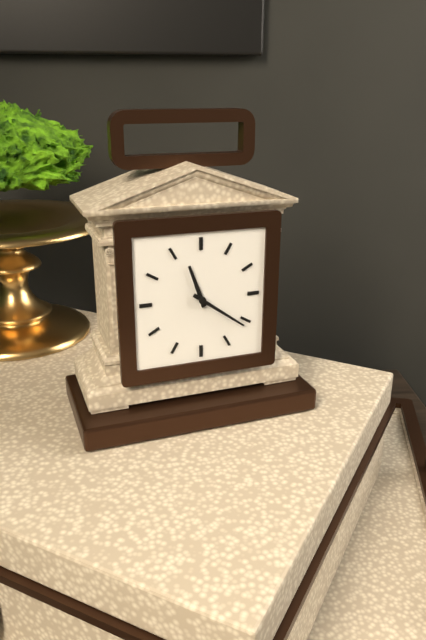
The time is **11:21**
